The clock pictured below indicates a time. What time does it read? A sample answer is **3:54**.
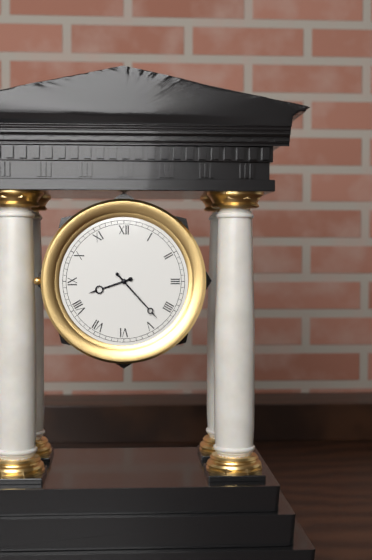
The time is **8:23**
